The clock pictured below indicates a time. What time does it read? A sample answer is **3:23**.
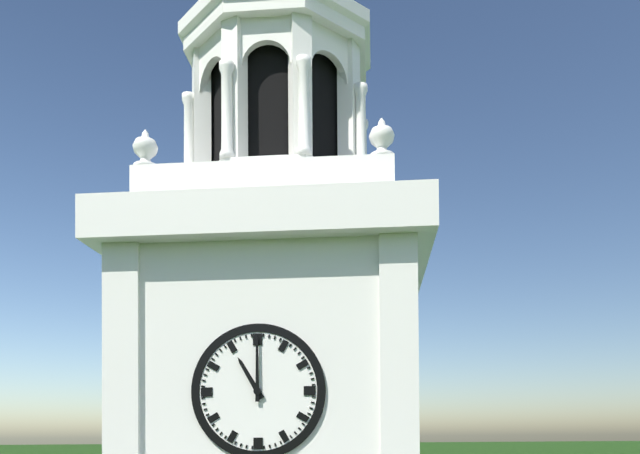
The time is **11:00**
